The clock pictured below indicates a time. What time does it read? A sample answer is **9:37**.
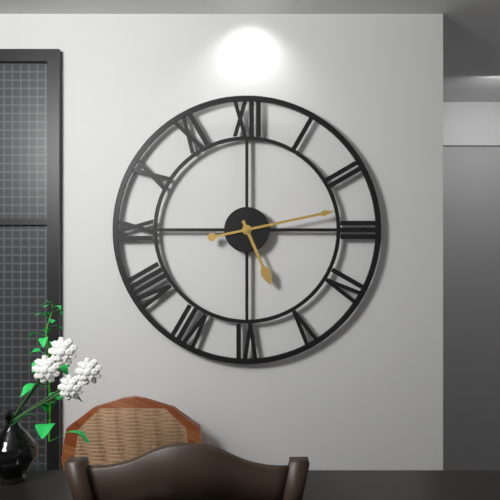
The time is **5:13**
